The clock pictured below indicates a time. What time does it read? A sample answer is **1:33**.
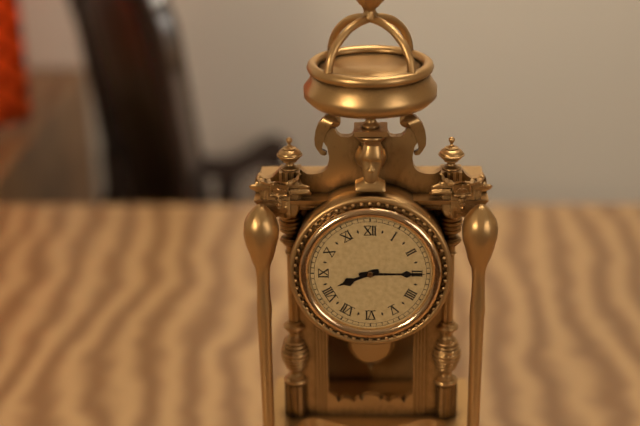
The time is **8:15**
